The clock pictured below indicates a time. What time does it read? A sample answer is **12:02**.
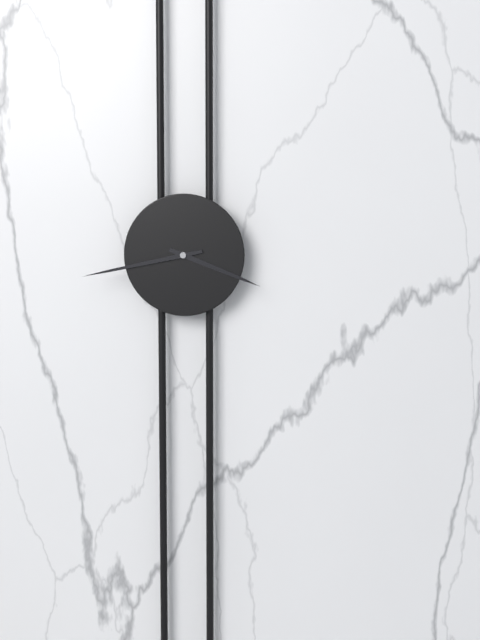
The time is **3:43**
